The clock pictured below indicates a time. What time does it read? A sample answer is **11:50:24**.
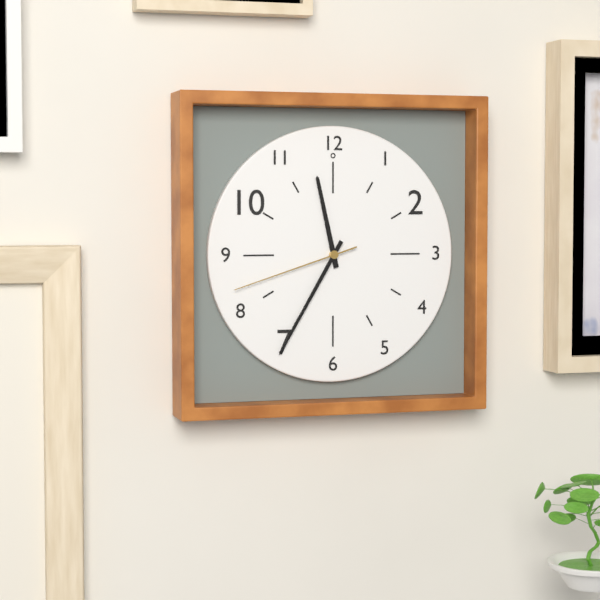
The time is **11:35:42**
